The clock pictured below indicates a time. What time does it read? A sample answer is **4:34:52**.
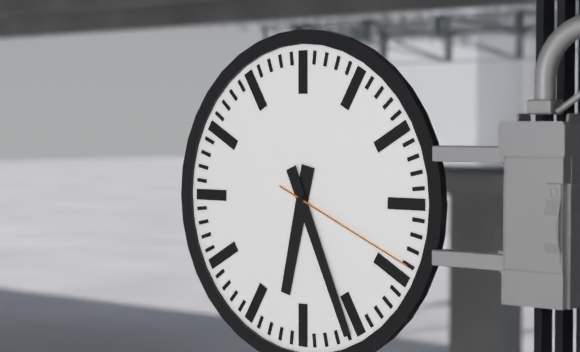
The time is **6:26:19**
